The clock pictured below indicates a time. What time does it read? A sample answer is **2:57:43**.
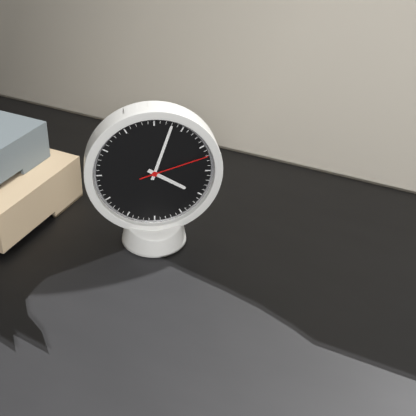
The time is **4:03:12**
